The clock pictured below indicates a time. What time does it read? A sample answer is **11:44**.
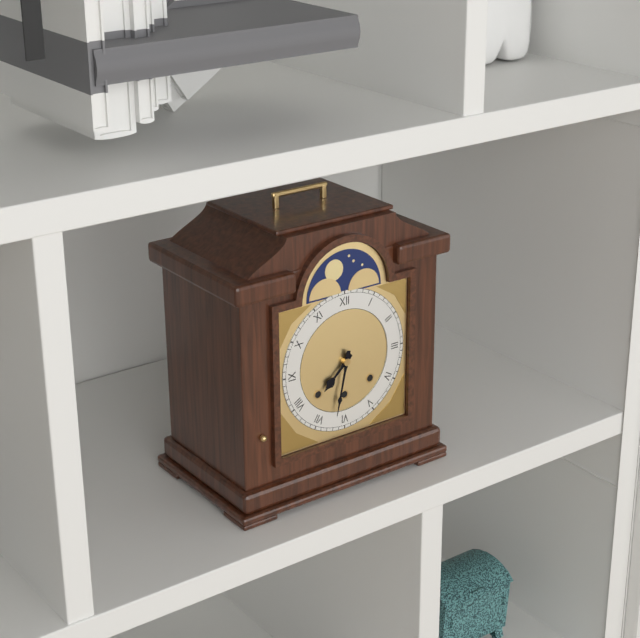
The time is **7:32**
